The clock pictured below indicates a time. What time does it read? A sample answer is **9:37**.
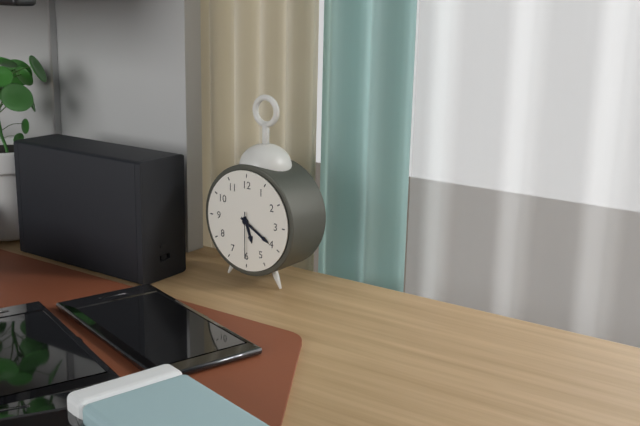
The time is **5:20**
